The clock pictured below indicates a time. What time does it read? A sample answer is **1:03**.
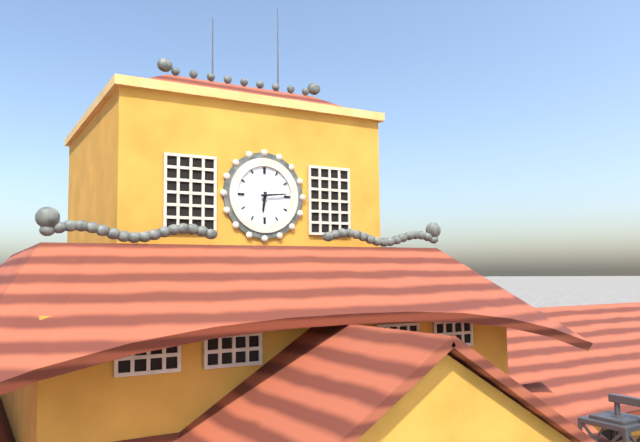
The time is **6:14**
